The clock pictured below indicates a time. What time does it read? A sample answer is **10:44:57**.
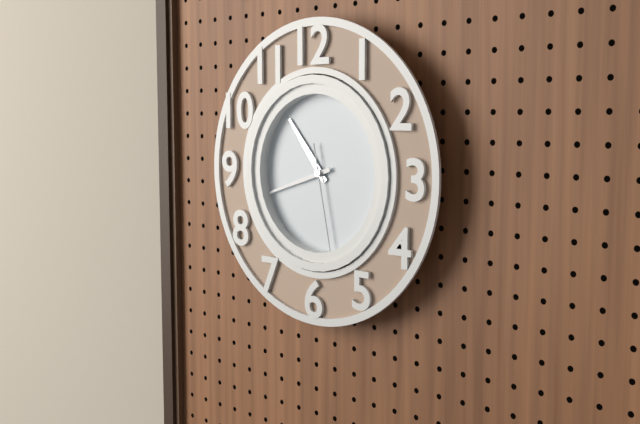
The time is **10:42:28**
